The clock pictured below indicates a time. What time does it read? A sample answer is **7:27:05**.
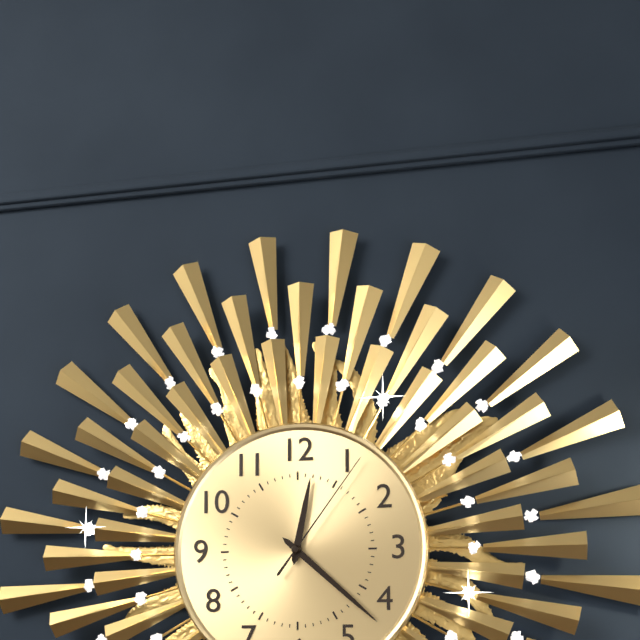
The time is **12:22:06**
